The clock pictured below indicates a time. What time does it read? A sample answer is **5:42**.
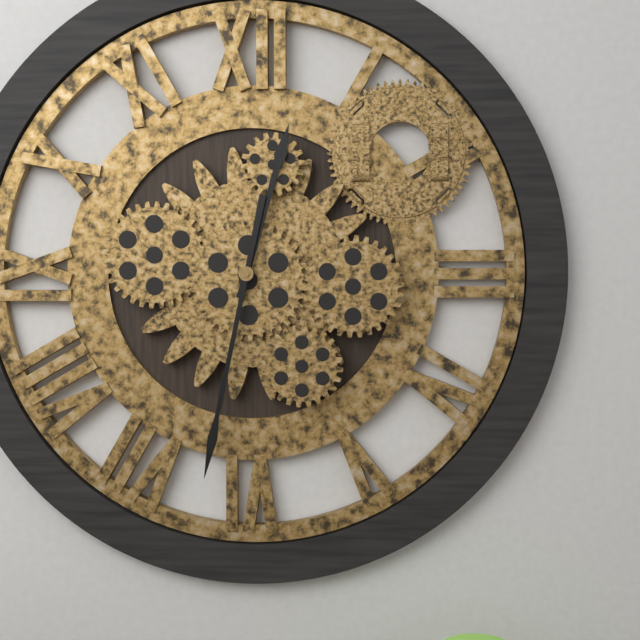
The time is **12:32**
